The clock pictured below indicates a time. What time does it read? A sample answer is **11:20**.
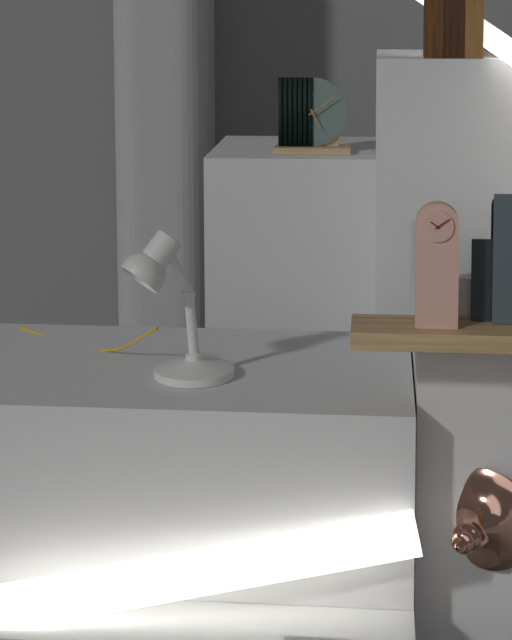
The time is **5:09**
